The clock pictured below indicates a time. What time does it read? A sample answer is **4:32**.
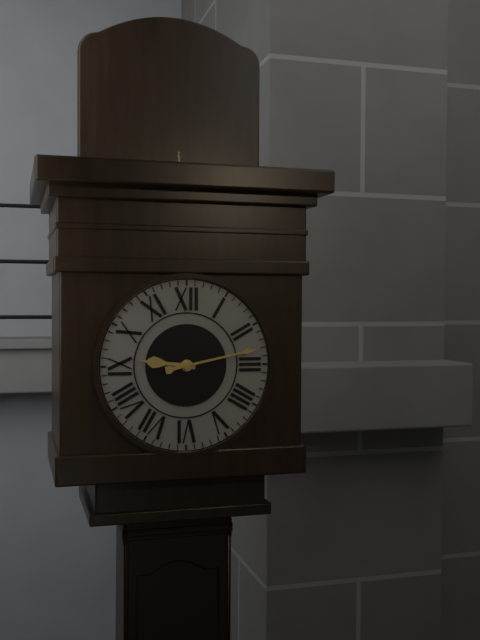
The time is **9:13**
